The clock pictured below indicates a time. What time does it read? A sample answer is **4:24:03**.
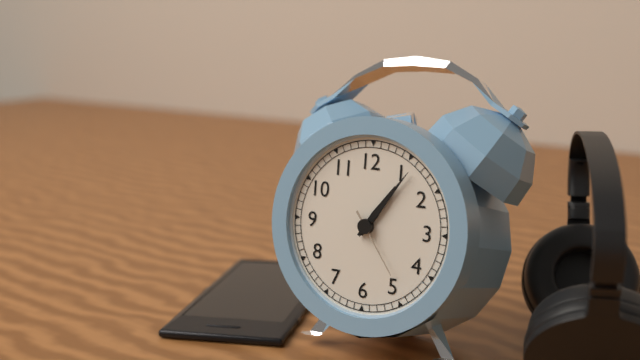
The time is **1:06:24**
